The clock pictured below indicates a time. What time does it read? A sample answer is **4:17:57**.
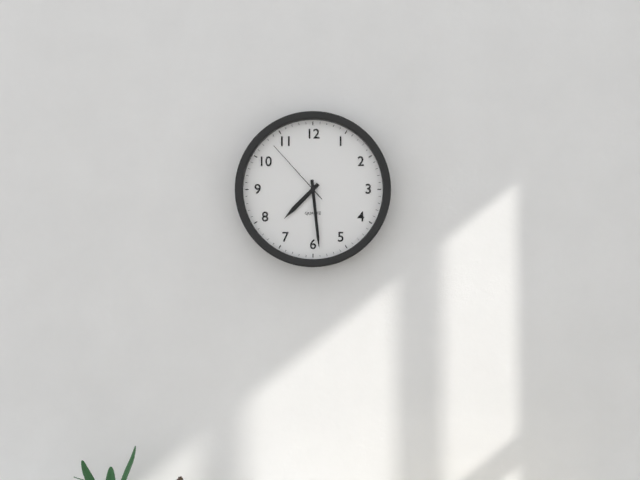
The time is **7:29:53**
